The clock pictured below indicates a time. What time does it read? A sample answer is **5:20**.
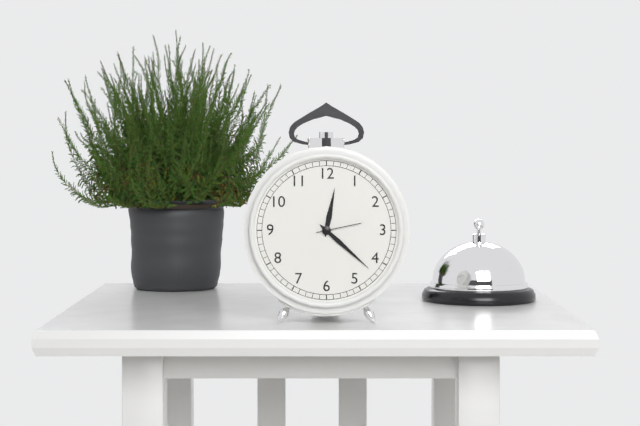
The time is **12:22**
